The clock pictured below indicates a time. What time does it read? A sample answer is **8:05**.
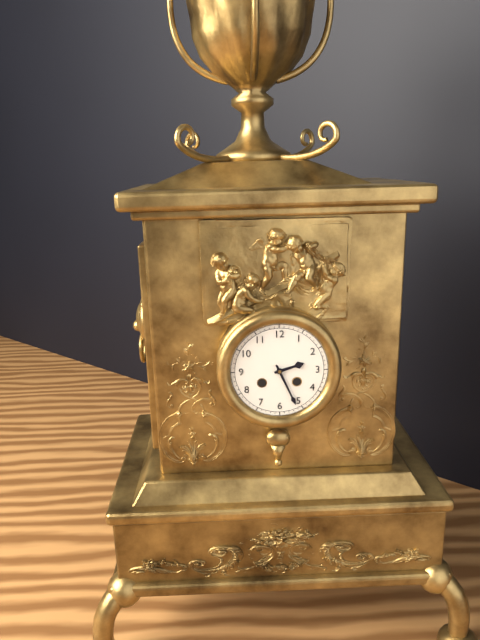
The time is **2:26**
